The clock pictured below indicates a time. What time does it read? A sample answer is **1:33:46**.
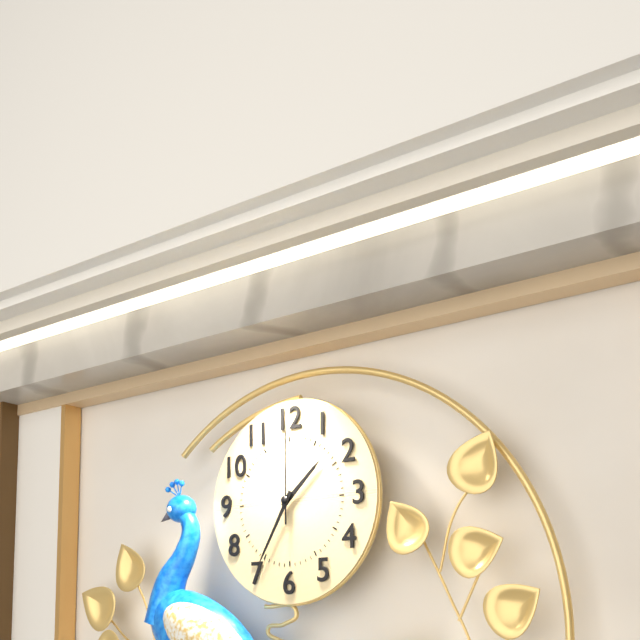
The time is **1:35:00**
